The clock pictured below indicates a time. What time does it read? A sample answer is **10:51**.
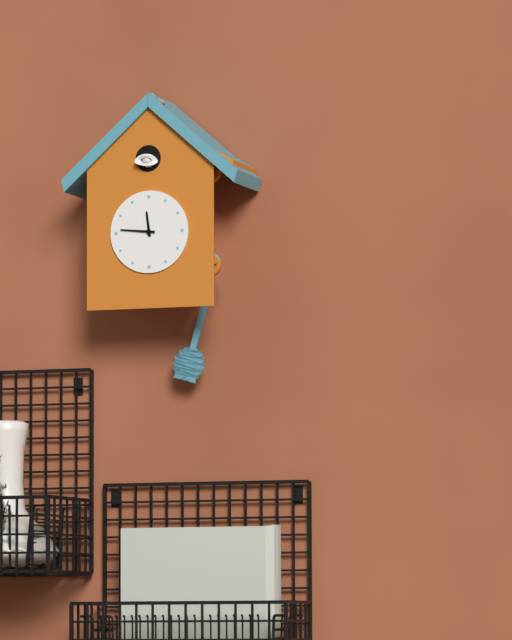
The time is **11:46**
